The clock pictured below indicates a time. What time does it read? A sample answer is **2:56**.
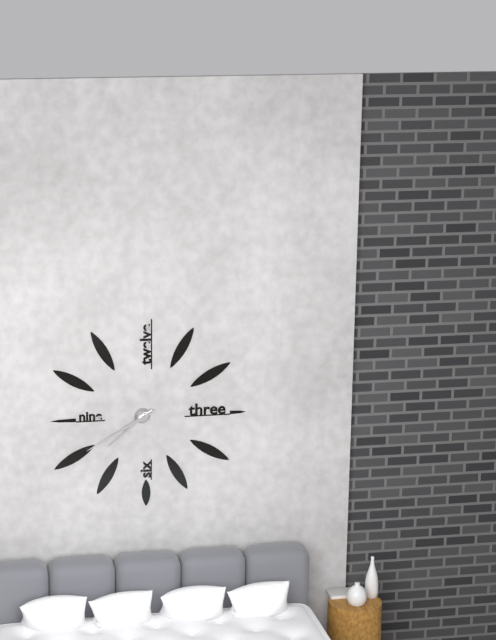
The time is **7:40**
